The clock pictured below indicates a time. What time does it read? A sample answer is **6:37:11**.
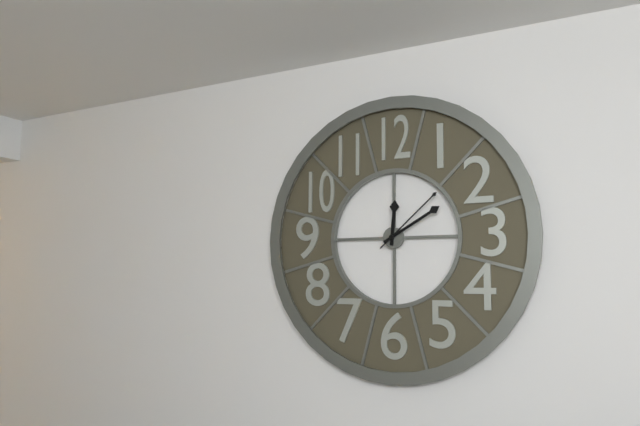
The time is **12:10:08**
